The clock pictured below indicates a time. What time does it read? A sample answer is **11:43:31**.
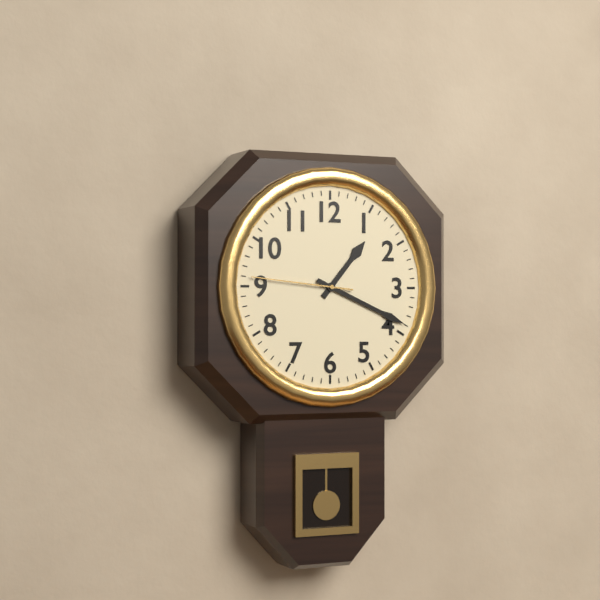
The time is **1:19:46**
